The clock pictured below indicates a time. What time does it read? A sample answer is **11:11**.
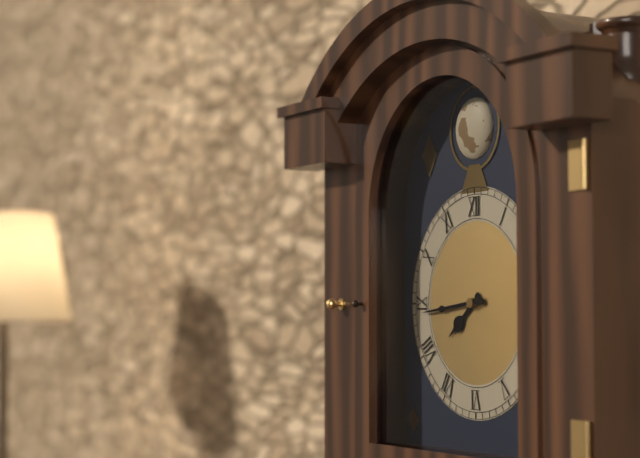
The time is **7:44**
